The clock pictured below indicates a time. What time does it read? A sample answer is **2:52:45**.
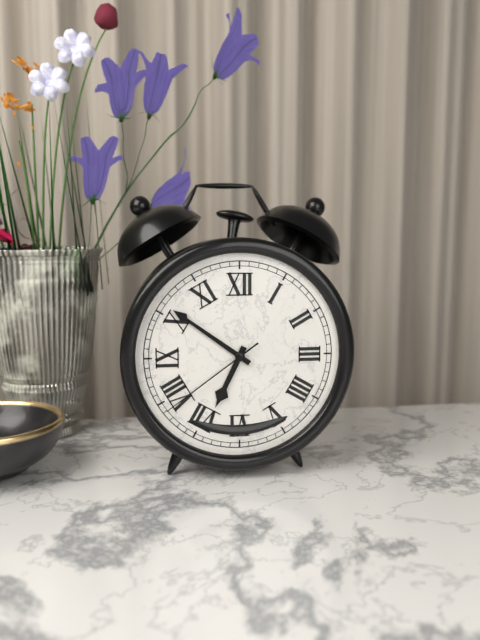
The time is **6:51:39**
